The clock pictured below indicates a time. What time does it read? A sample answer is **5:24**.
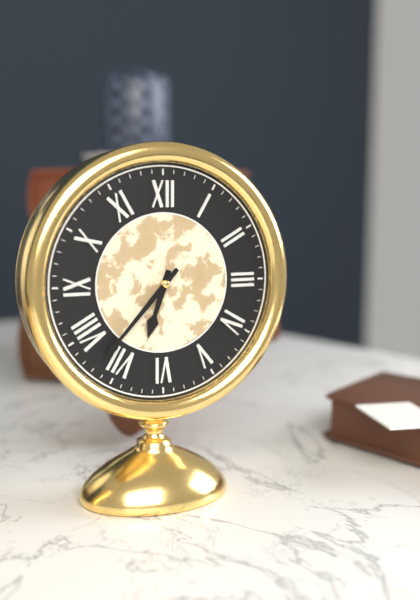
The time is **6:37**
